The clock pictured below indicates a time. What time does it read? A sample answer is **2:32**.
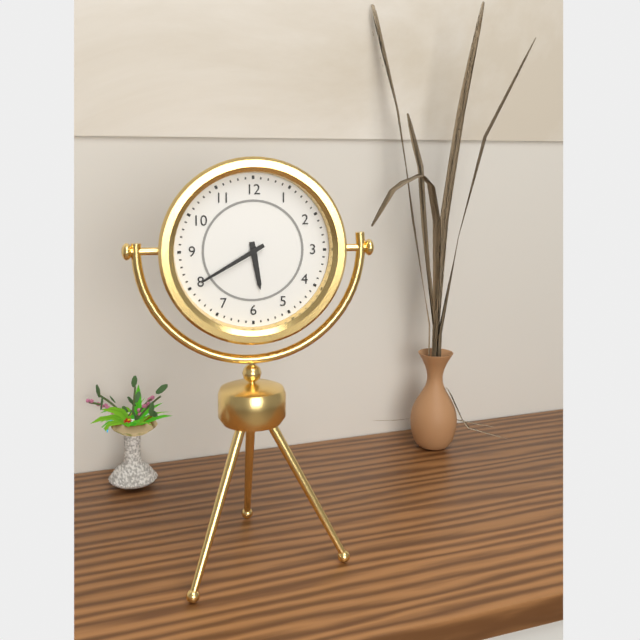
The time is **5:40**
